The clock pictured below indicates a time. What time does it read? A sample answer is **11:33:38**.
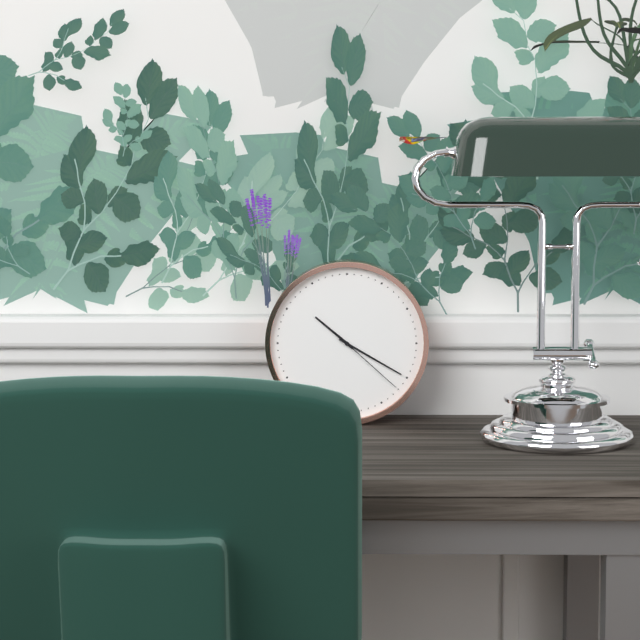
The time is **10:20:22**
